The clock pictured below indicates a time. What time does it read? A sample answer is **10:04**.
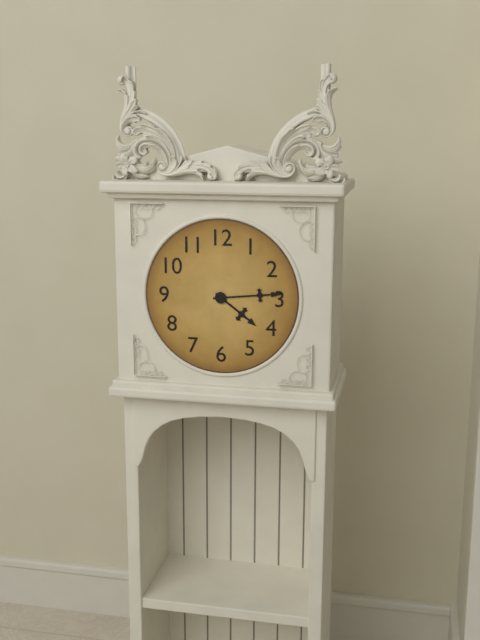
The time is **4:14**
